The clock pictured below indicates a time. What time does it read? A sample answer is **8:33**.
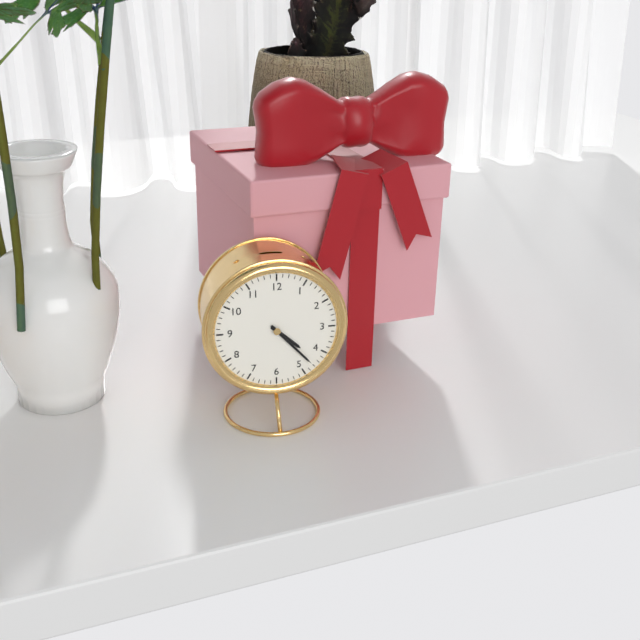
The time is **4:23**
